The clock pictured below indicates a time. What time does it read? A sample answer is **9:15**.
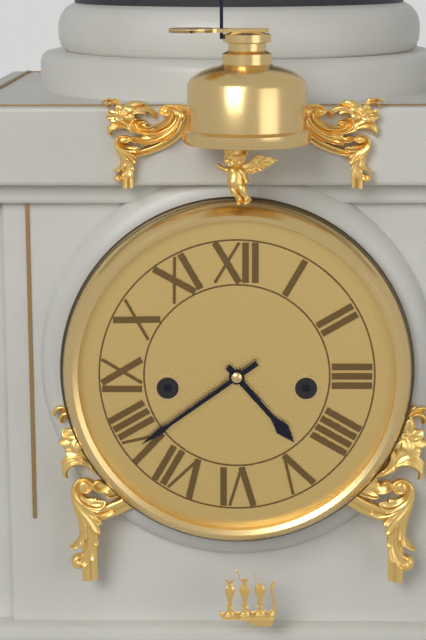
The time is **4:39**
